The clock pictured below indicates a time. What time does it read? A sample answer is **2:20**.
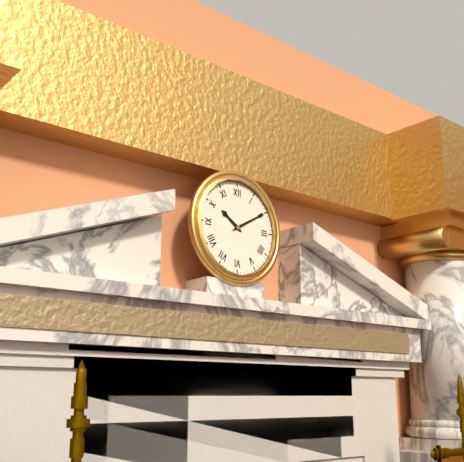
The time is **10:10**
